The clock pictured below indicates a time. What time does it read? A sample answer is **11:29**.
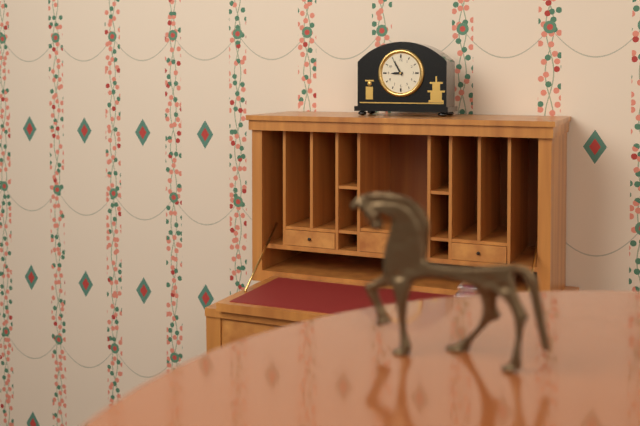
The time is **8:55**
